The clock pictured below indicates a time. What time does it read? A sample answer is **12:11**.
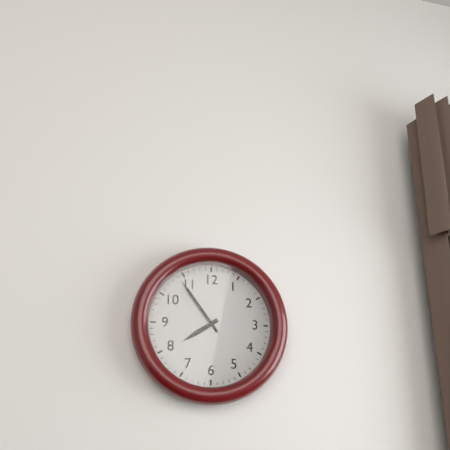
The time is **7:54**
